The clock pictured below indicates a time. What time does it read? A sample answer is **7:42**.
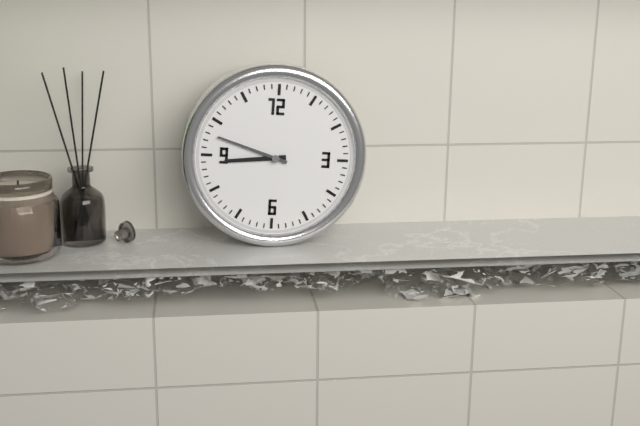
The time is **8:48**
